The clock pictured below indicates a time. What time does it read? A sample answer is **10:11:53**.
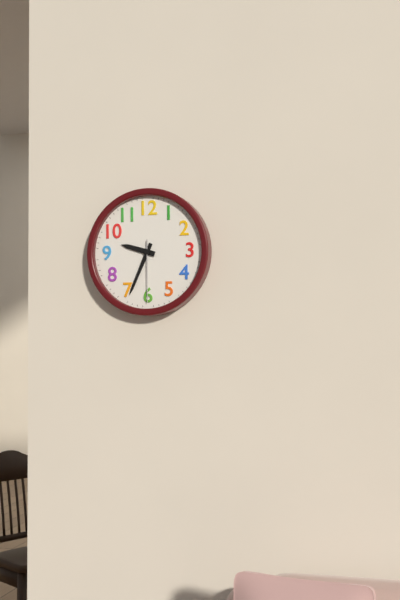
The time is **9:34:30**
